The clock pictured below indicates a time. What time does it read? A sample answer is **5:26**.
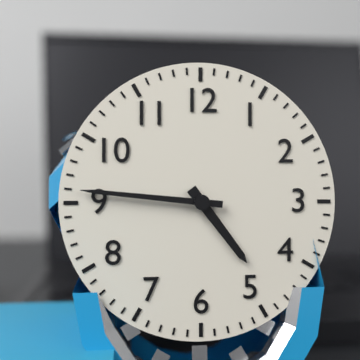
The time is **4:46**
